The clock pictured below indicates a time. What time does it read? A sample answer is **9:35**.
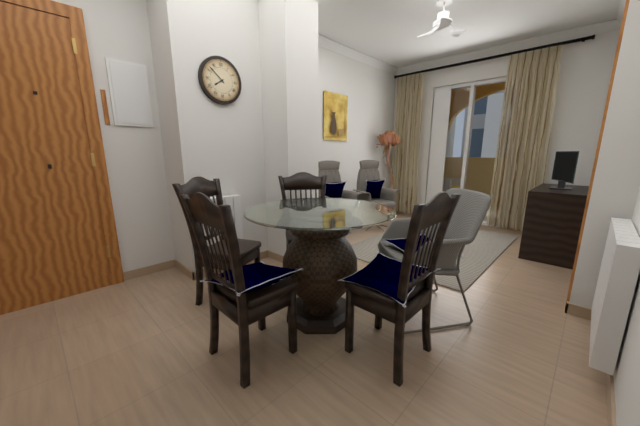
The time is **7:52**
